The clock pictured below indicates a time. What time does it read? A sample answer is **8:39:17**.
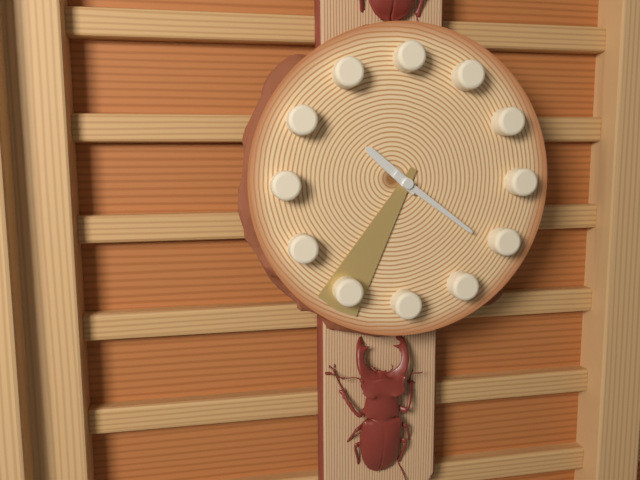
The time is **10:21:35**
